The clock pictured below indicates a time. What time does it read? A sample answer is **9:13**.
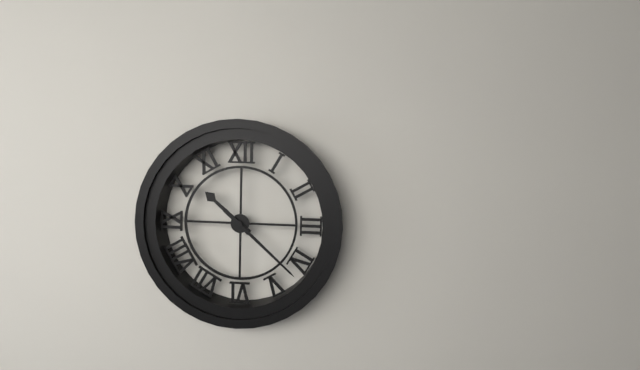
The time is **10:22**
